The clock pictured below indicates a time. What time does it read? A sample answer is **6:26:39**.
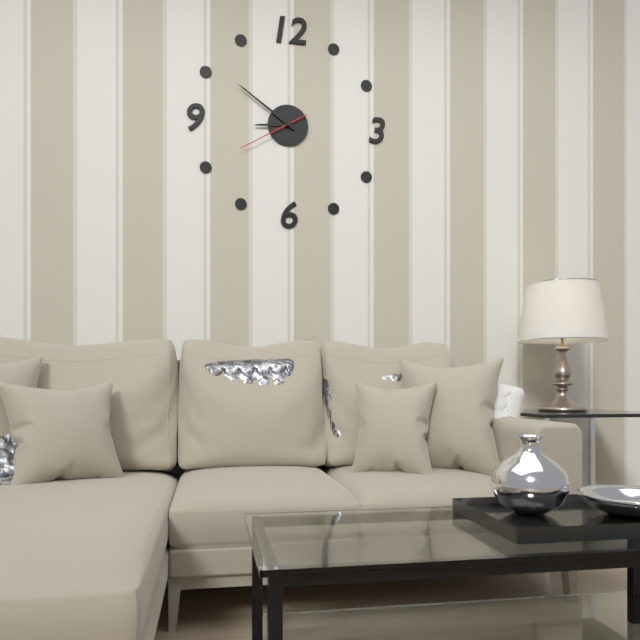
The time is **8:51:40**
